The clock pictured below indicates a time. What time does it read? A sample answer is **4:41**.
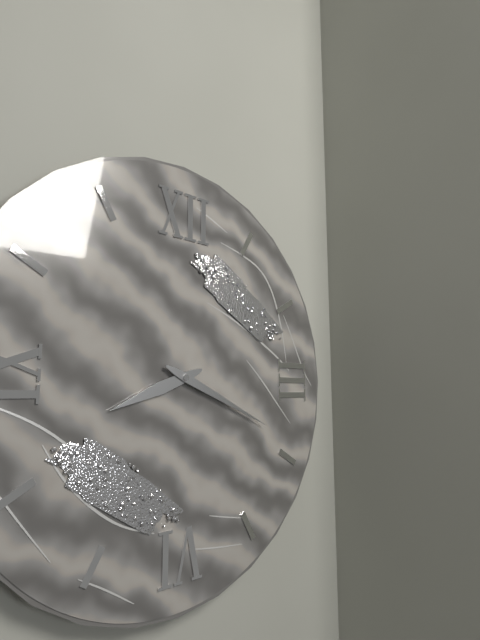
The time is **8:19**
